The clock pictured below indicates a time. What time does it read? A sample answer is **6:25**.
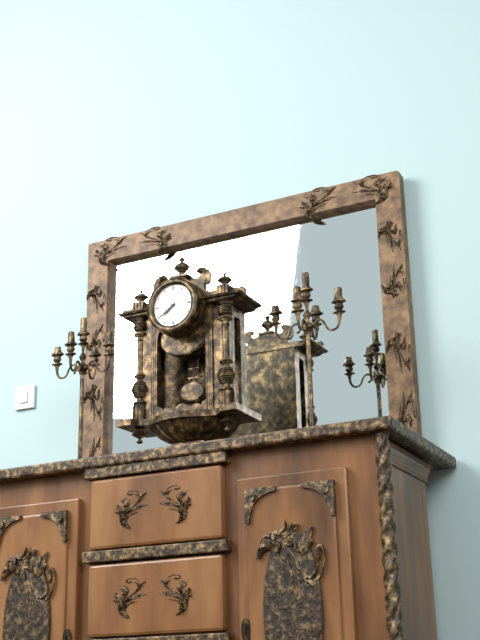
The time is **7:39**
